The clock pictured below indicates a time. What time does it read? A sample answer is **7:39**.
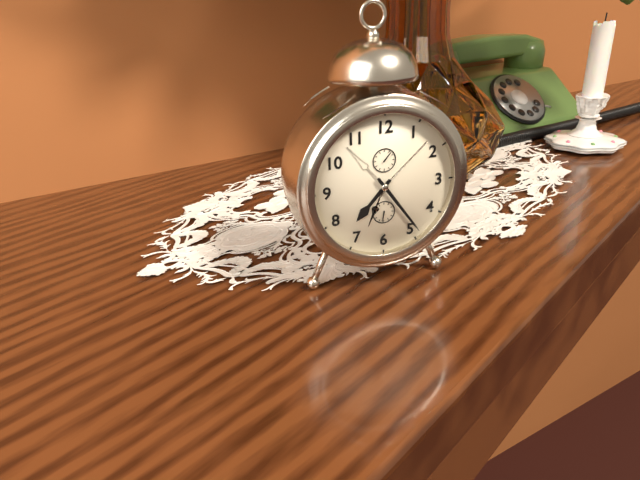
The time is **7:24**
